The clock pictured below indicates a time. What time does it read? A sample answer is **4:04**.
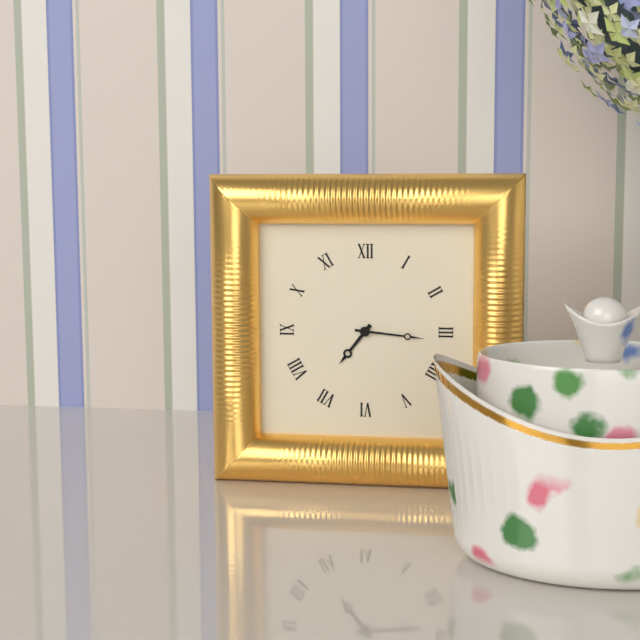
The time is **7:16**
